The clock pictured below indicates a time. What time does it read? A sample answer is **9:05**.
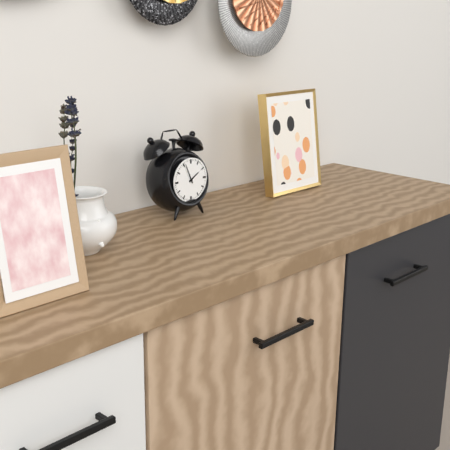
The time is **1:56**
